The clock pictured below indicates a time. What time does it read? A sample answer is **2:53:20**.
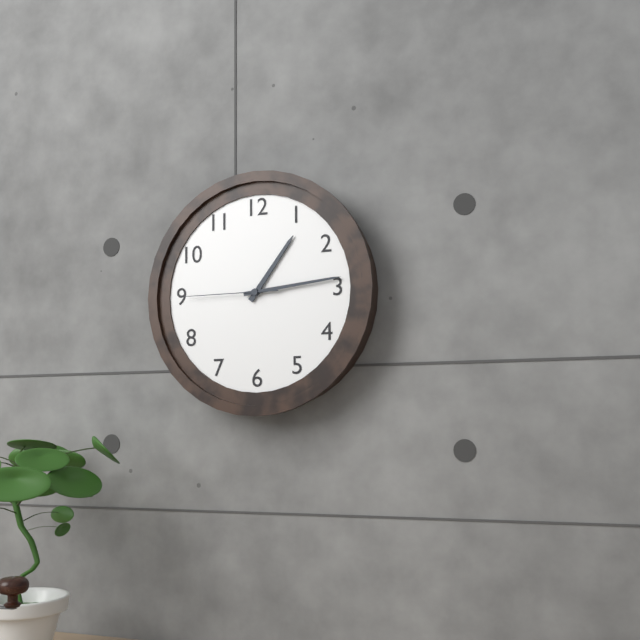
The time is **1:14:45**
